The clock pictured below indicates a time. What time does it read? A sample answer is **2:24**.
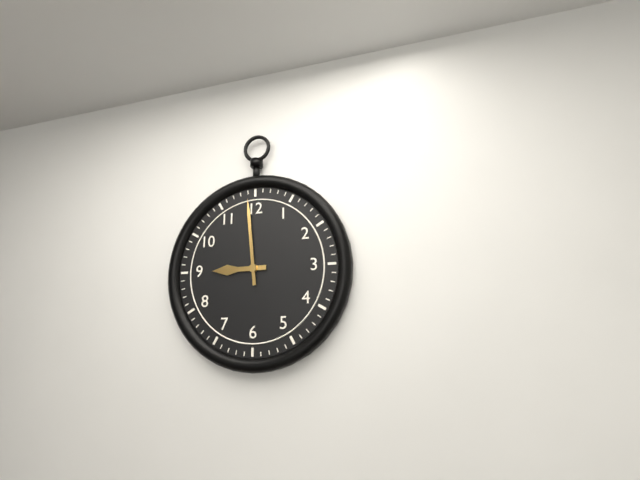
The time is **8:59**
